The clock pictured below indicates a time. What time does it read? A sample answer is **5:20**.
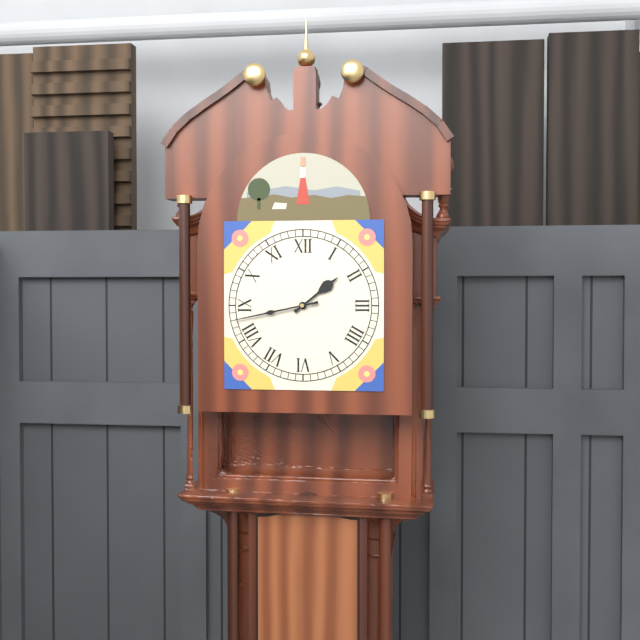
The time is **1:43**
